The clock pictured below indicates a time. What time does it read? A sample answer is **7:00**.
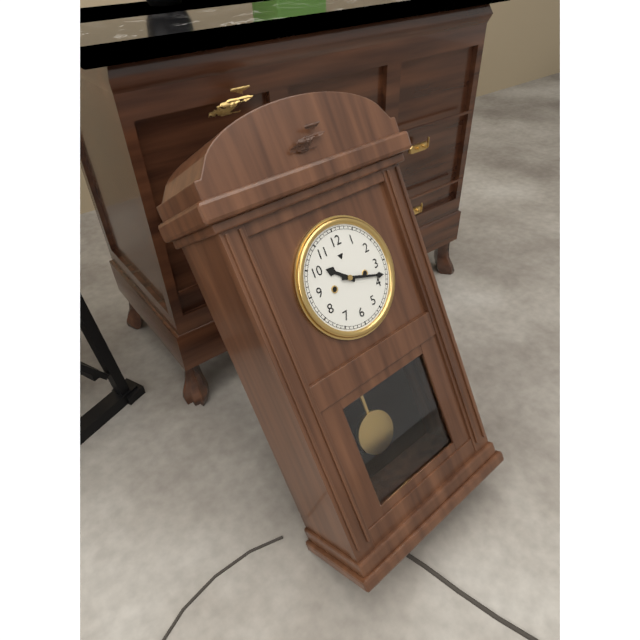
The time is **10:18**
